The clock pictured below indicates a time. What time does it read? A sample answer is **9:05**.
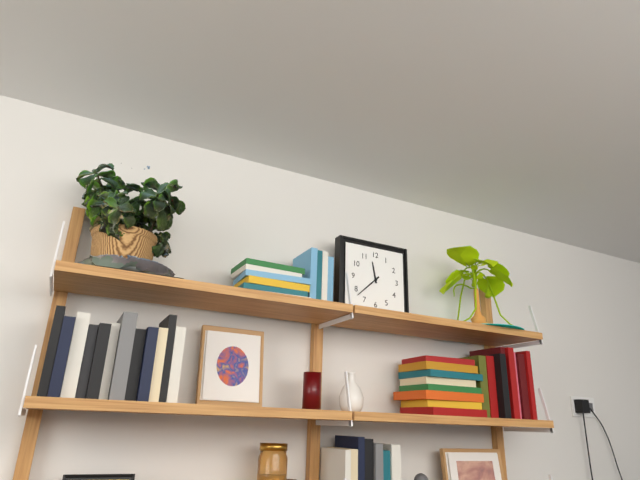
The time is **11:38**
